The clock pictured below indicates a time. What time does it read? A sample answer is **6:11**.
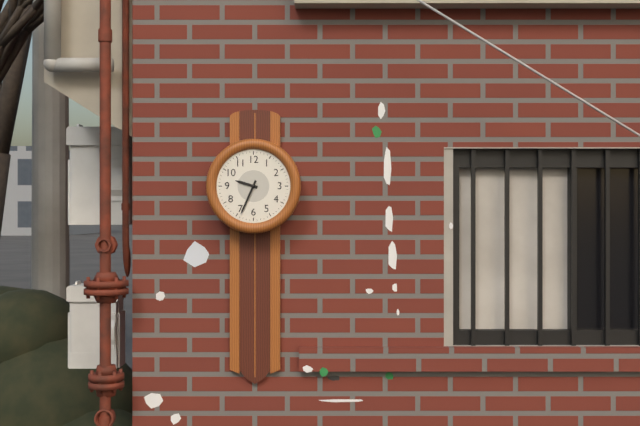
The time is **9:34**
